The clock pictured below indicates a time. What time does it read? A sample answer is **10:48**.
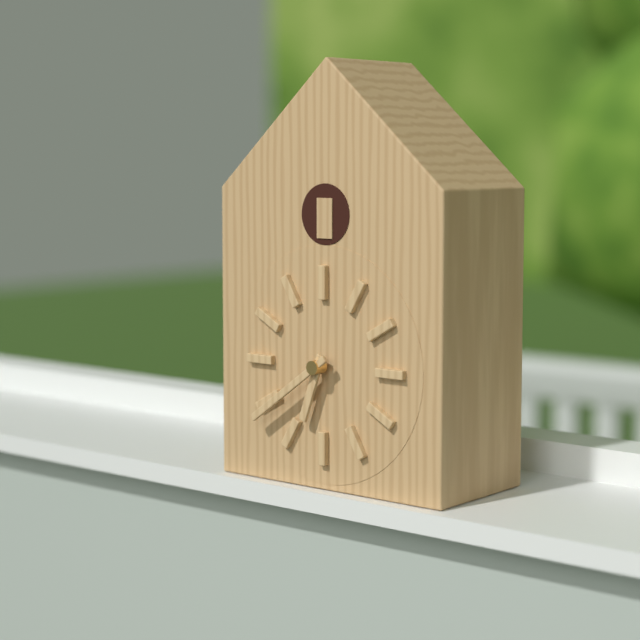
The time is **6:39**
